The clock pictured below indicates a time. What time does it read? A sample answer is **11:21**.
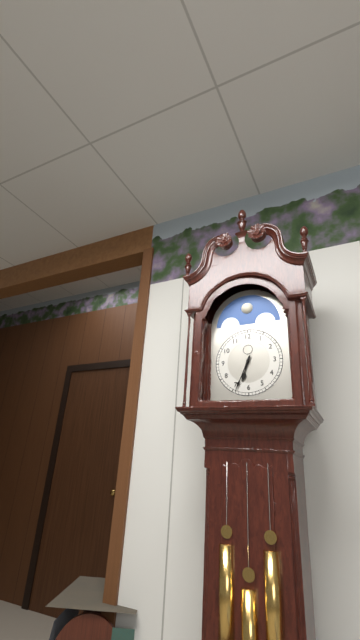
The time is **6:34**
